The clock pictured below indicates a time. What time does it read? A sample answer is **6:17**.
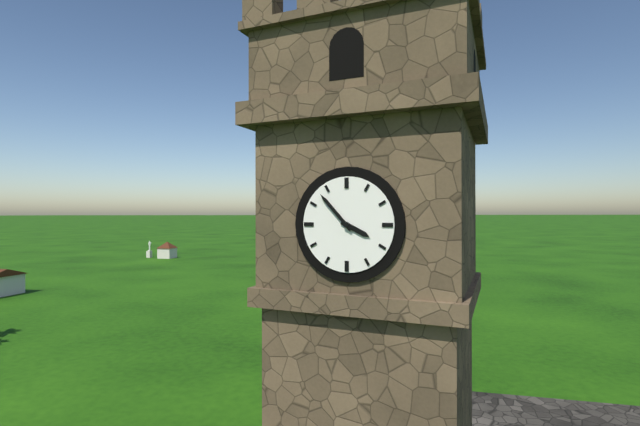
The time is **3:53**
